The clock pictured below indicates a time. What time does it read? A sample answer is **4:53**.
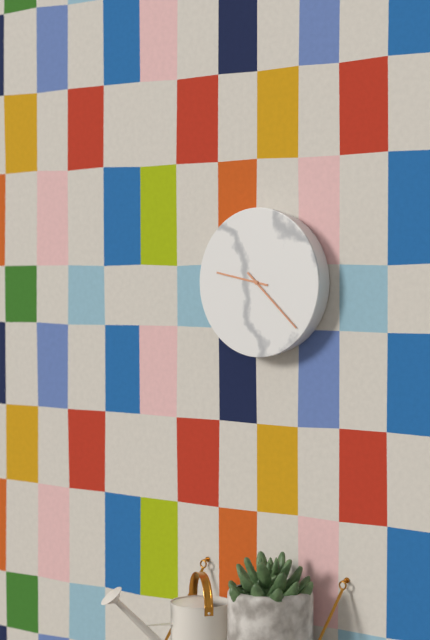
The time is **9:22**
